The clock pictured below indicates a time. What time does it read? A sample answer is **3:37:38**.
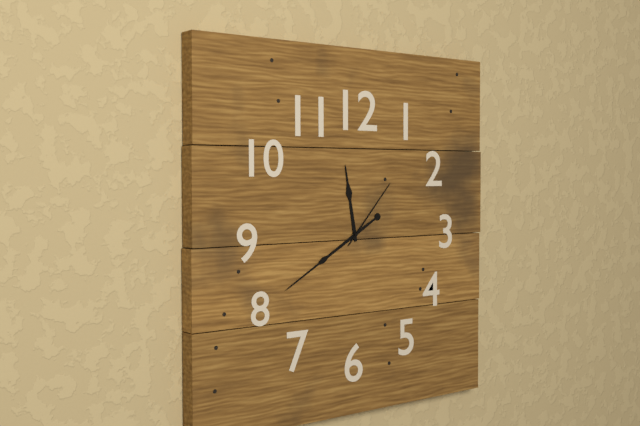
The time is **11:40:07**
